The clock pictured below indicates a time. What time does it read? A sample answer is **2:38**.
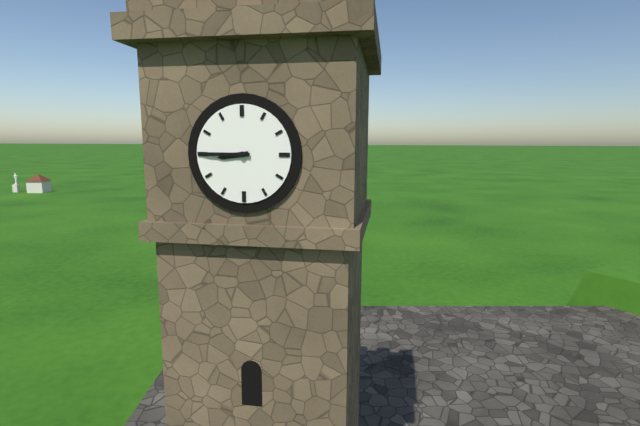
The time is **8:45**
